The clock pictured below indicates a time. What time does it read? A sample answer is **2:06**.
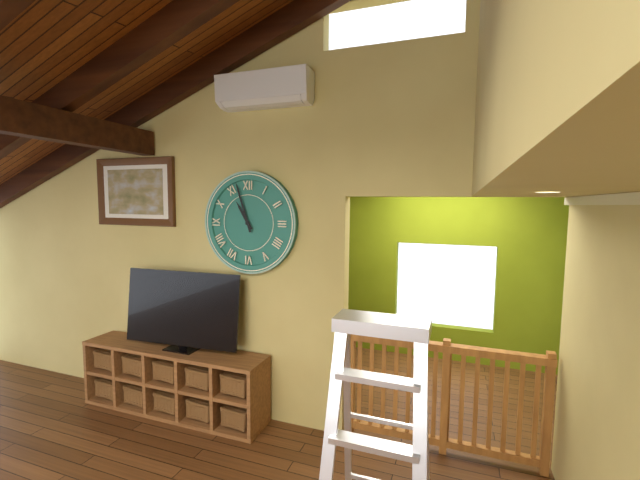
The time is **10:57**
